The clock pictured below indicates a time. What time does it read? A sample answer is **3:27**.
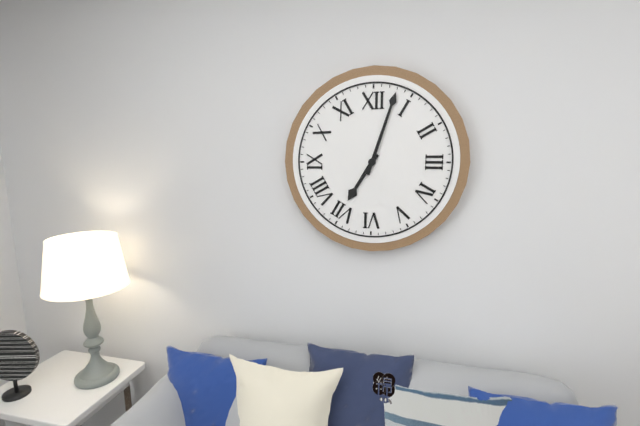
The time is **7:03**
